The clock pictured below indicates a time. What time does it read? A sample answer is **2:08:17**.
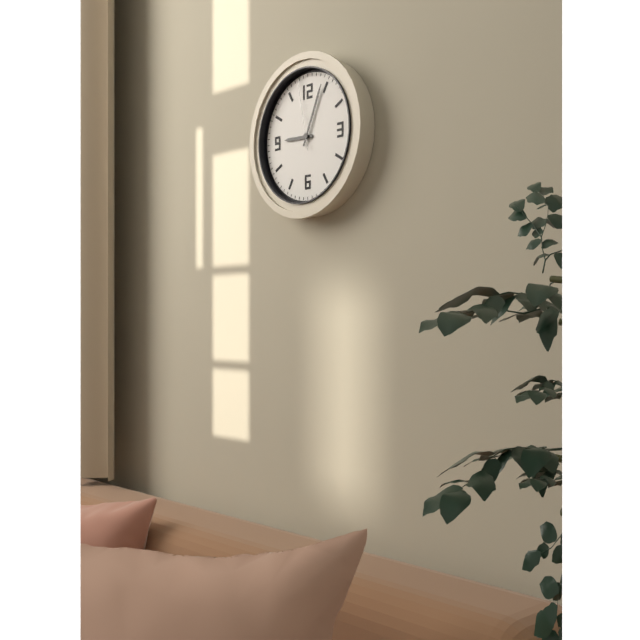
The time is **9:04:58**
